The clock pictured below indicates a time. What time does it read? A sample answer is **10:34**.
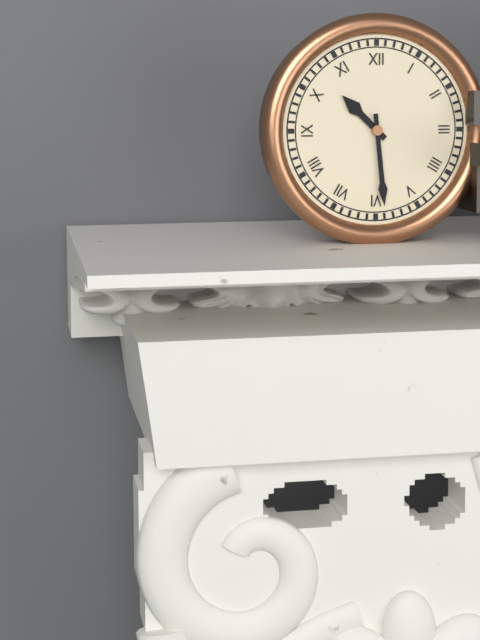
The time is **10:29**
